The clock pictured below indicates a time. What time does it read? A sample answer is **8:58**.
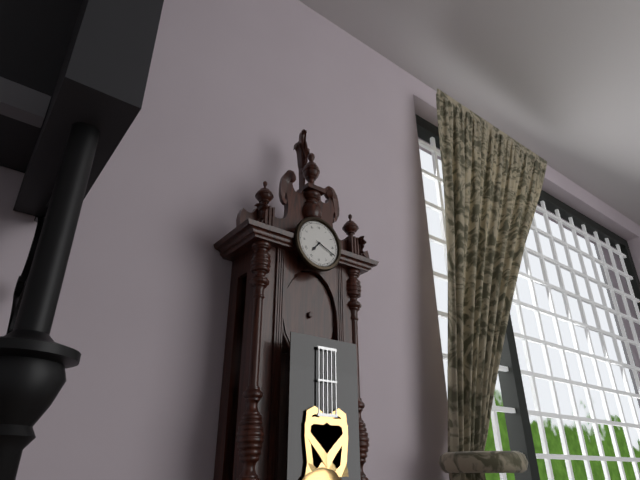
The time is **7:19**
